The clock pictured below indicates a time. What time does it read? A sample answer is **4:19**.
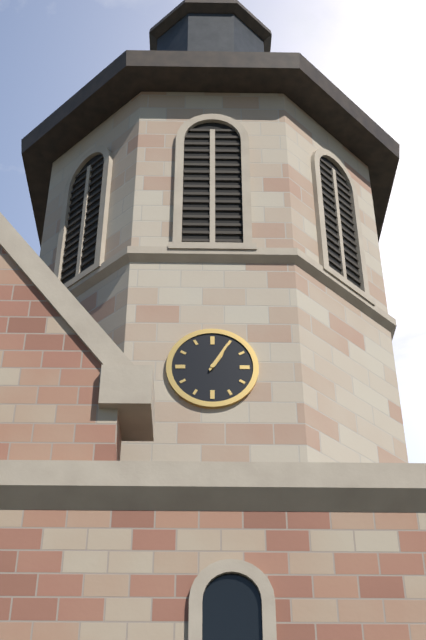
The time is **1:05**
